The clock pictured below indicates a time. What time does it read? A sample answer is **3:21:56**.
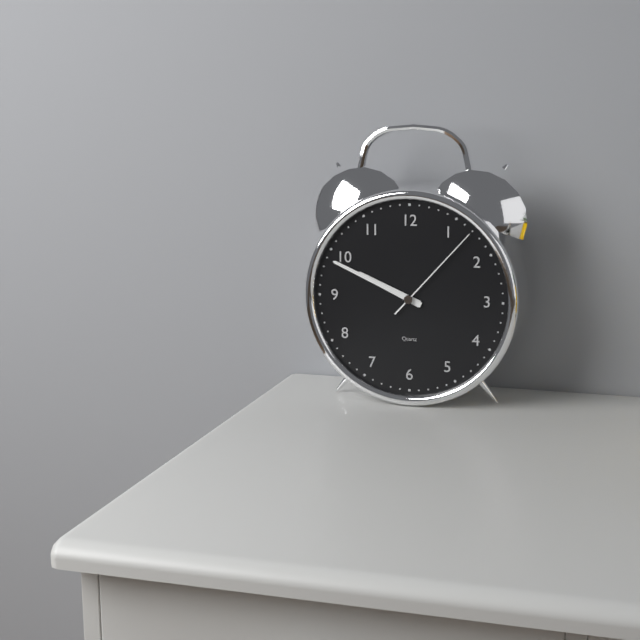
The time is **9:49:07**
